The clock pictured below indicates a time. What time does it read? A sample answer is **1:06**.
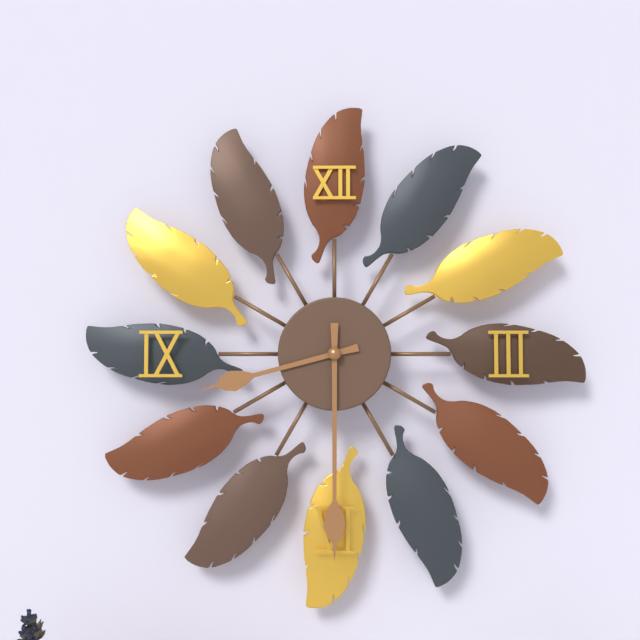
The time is **8:30**
